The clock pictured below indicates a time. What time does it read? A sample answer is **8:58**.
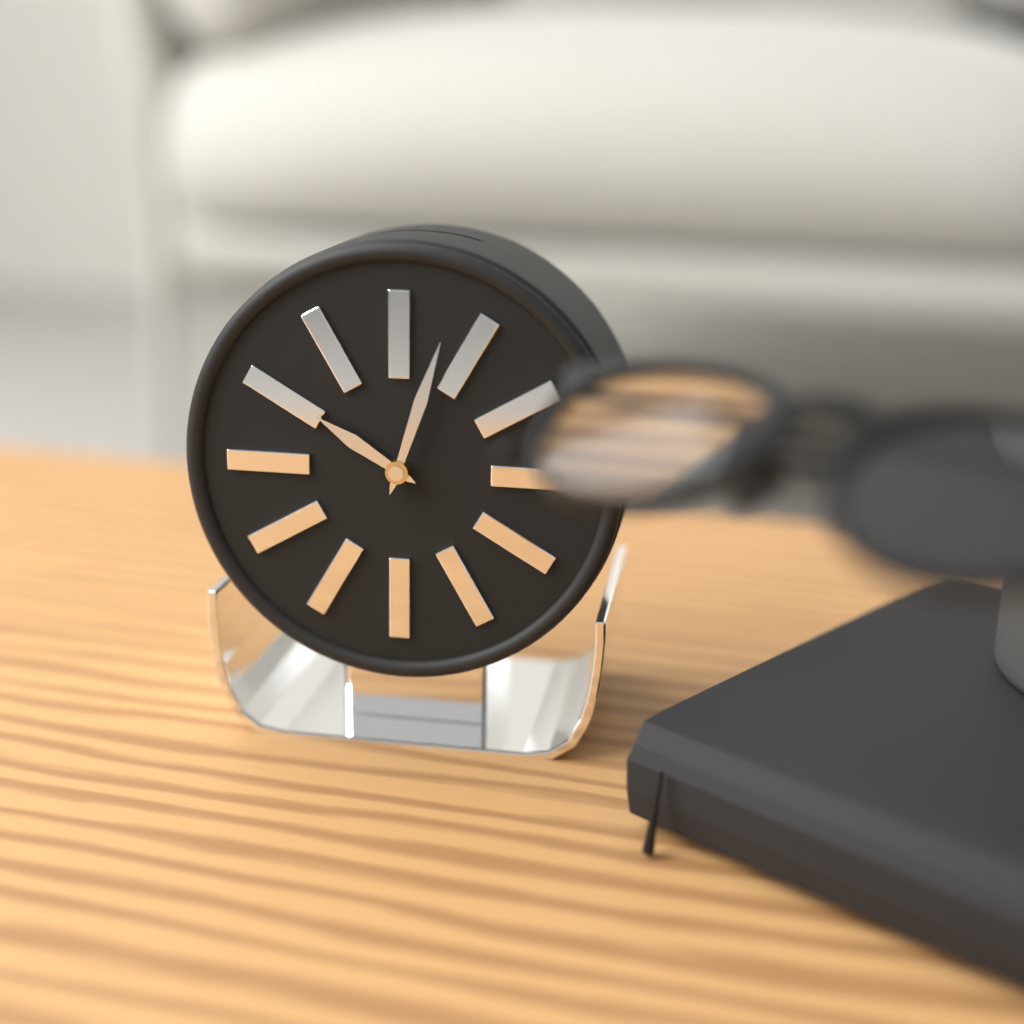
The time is **10:03**
